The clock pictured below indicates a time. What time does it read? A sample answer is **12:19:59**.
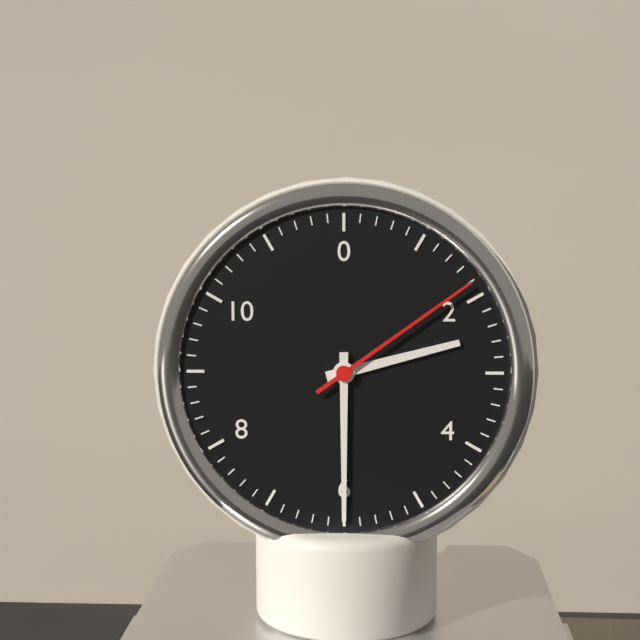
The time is **2:30:09**
